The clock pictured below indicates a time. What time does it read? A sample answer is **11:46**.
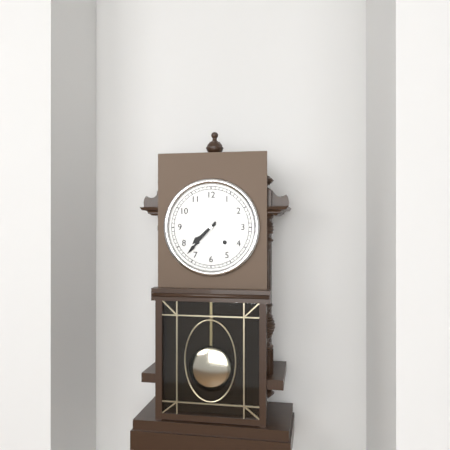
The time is **7:37**
